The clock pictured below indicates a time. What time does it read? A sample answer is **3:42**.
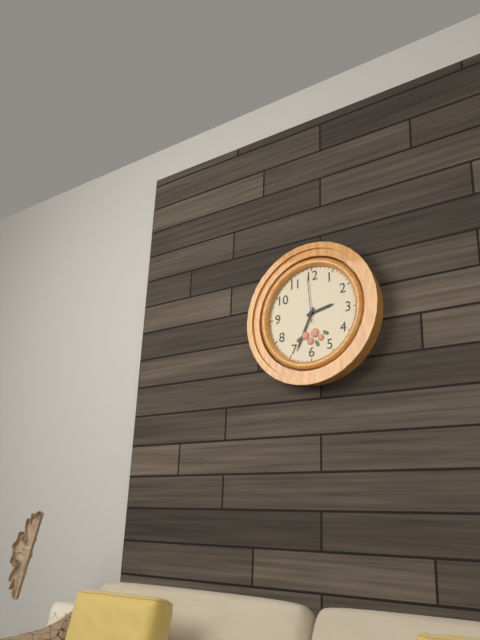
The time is **2:34**
